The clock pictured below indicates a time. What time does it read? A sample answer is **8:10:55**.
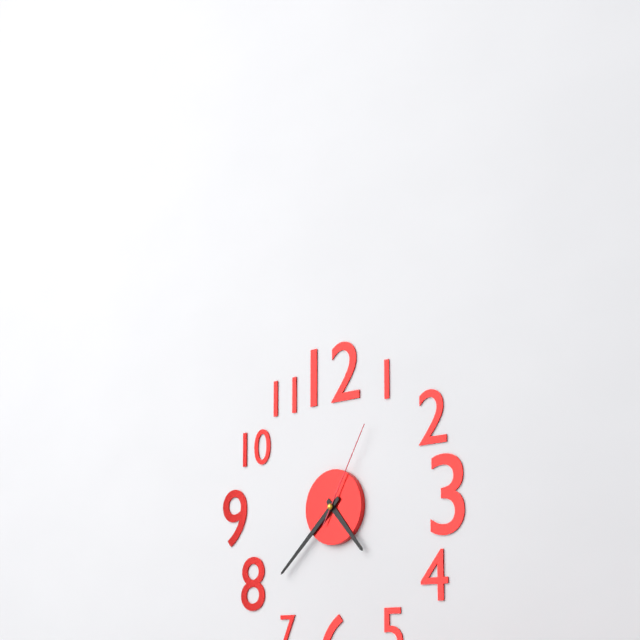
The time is **4:38:05**
